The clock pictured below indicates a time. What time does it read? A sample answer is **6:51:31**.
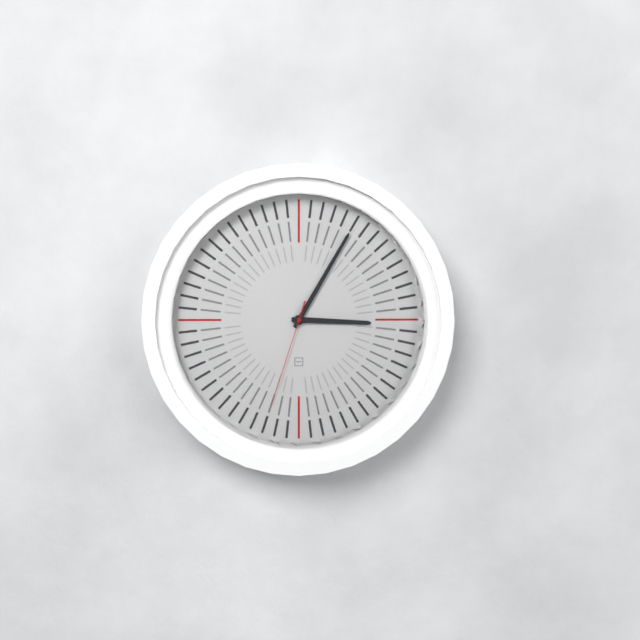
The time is **3:05:33**
